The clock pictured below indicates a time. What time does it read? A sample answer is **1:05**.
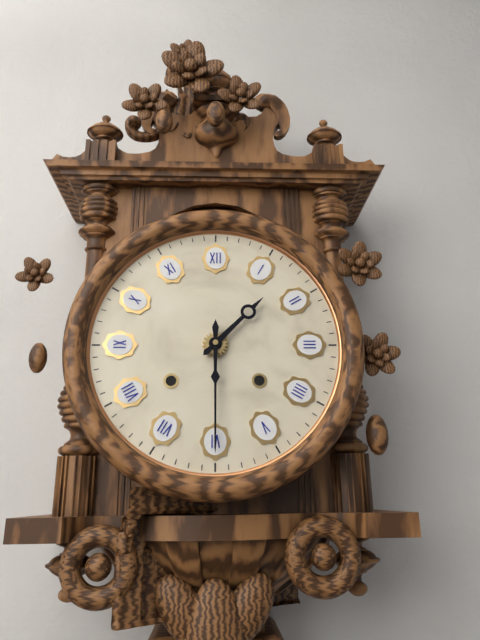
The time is **1:30**
